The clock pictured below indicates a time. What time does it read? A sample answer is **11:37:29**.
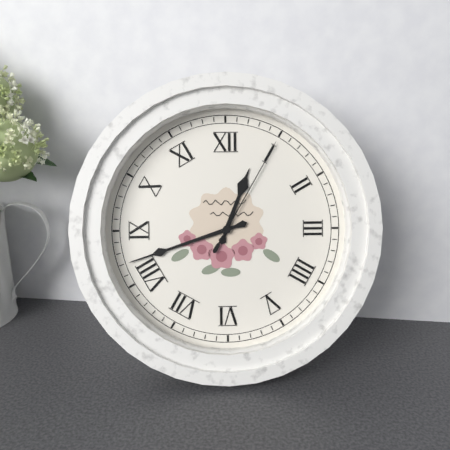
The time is **12:42:05**
